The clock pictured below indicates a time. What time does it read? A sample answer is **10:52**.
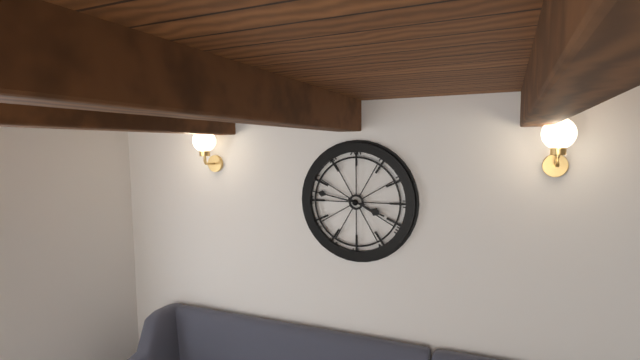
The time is **3:47**
